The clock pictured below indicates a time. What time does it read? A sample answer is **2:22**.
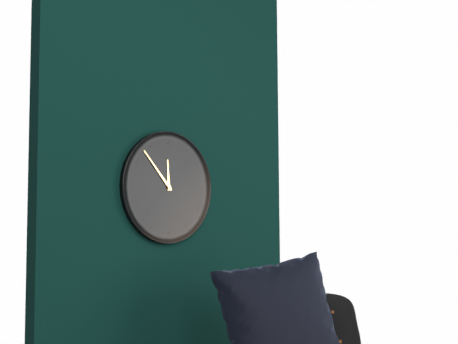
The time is **11:53**
